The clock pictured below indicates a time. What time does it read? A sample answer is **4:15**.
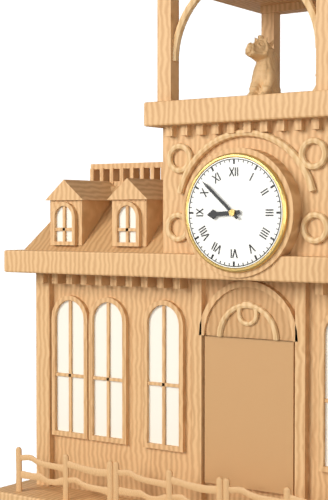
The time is **8:52**
